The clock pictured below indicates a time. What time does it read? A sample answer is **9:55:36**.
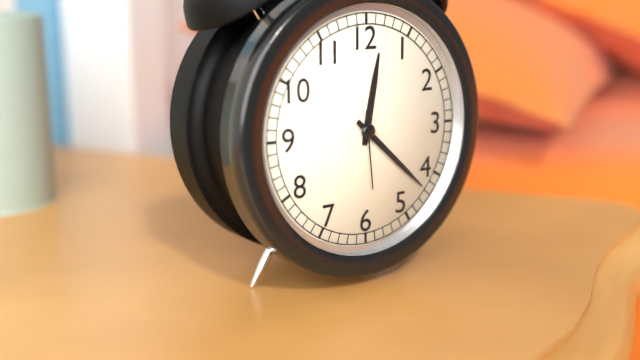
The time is **12:22:29**
